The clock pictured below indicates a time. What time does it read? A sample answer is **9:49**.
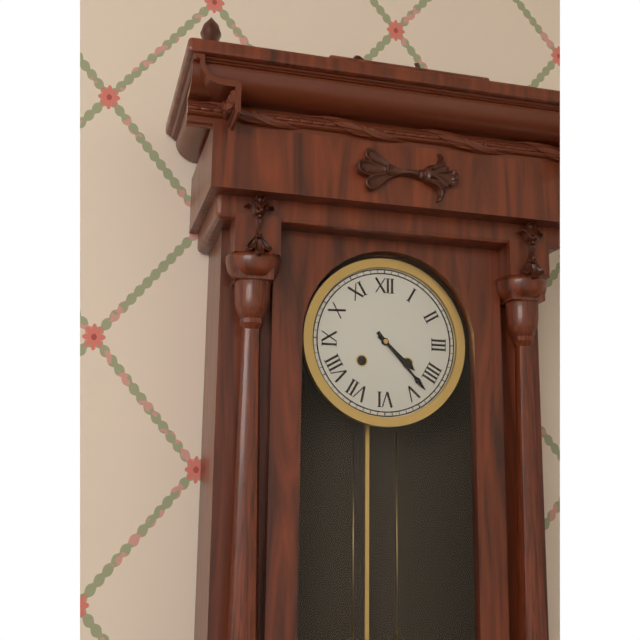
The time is **4:23**
